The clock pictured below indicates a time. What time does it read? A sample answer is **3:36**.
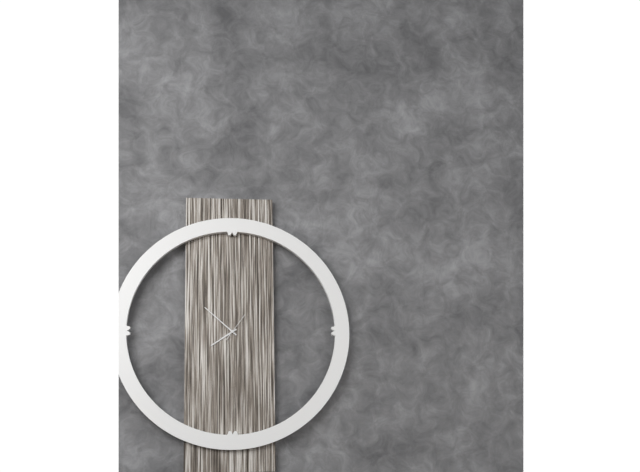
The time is **7:52**
